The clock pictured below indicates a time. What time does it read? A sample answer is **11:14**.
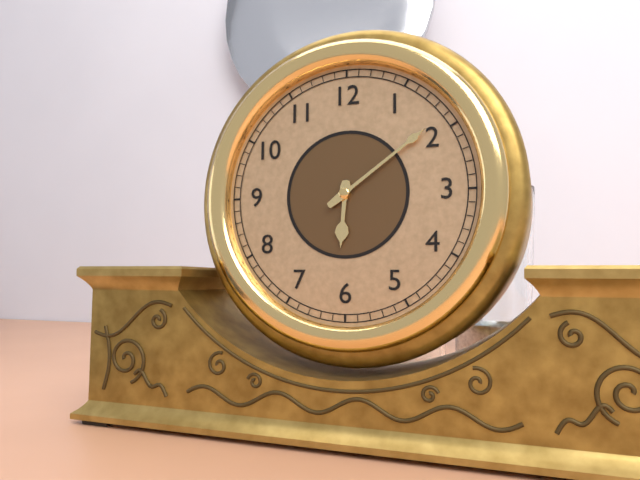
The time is **6:09**
